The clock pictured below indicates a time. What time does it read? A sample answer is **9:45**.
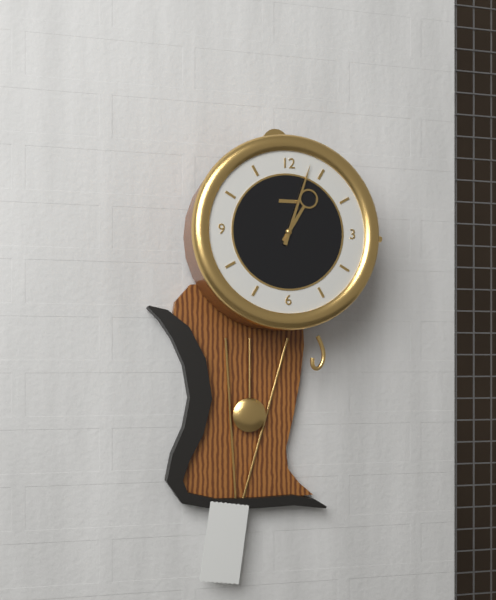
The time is **1:03**
